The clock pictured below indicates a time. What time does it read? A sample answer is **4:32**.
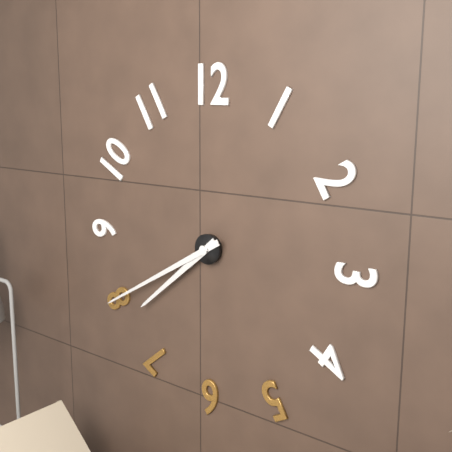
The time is **7:40**
